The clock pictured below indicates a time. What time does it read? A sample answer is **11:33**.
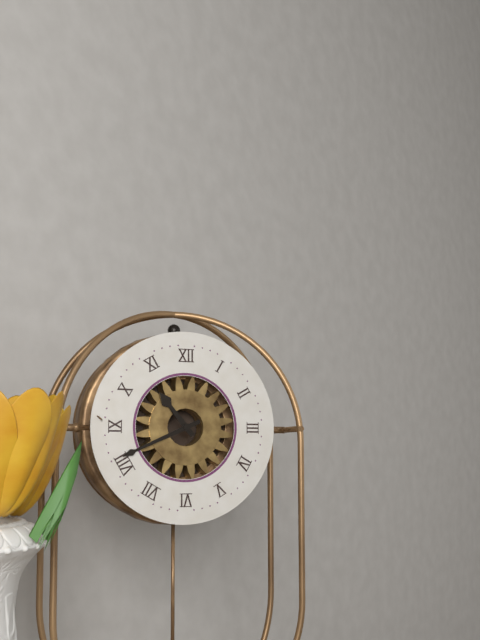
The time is **10:41**
